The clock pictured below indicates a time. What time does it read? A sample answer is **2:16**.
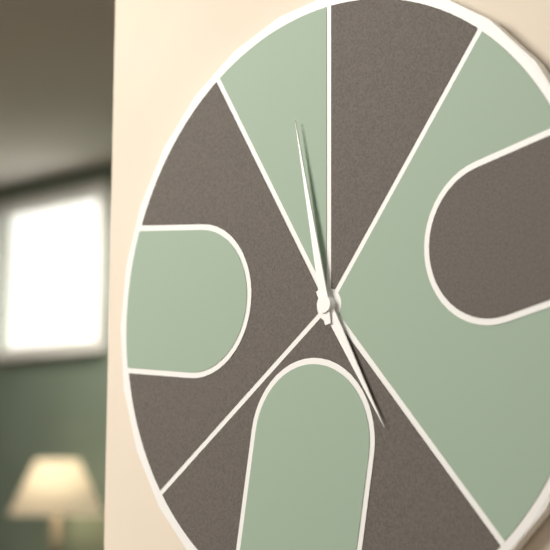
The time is **4:58**
